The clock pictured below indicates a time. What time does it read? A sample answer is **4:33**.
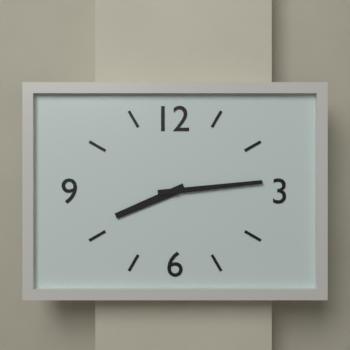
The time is **8:14**
